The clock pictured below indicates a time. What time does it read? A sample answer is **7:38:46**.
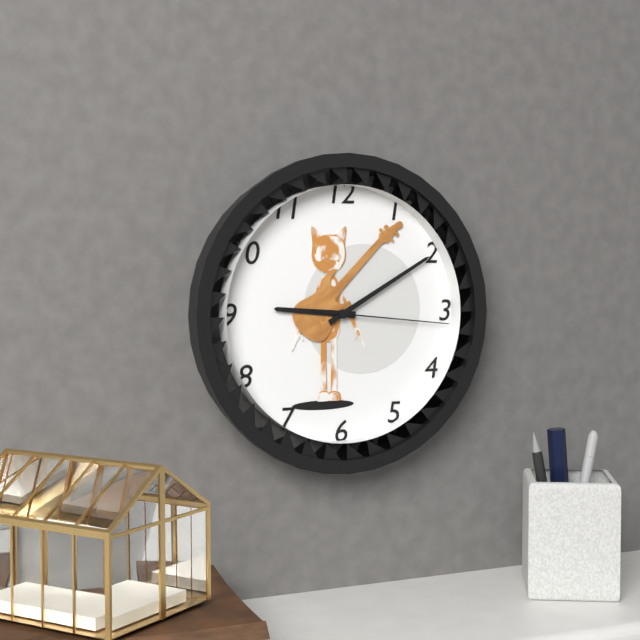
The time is **9:10:16**
